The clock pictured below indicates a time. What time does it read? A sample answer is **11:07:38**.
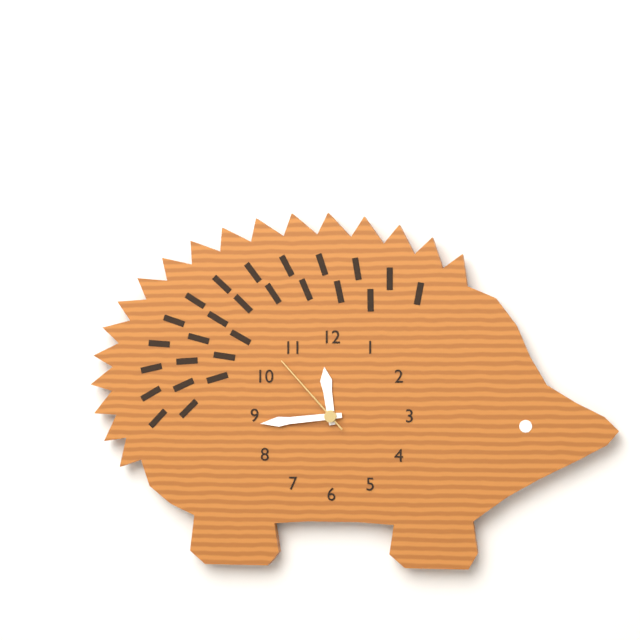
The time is **11:44:53**
